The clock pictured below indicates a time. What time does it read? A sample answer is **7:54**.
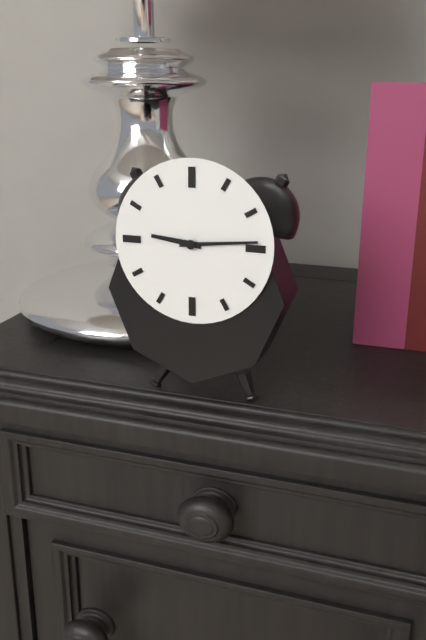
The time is **9:14**
